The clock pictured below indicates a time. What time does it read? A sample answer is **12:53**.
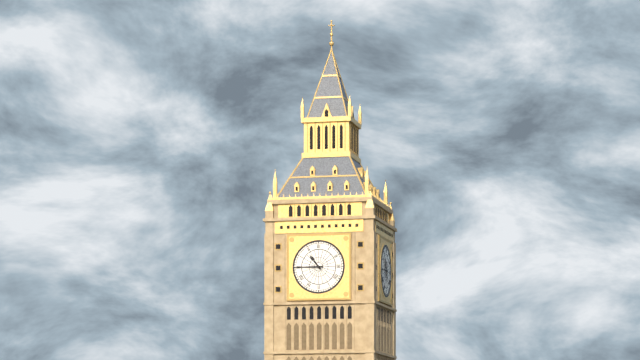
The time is **10:45**
